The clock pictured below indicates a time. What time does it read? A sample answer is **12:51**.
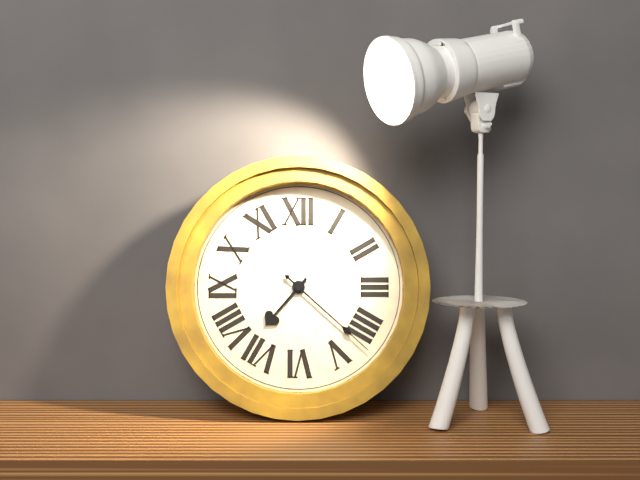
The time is **7:22**
